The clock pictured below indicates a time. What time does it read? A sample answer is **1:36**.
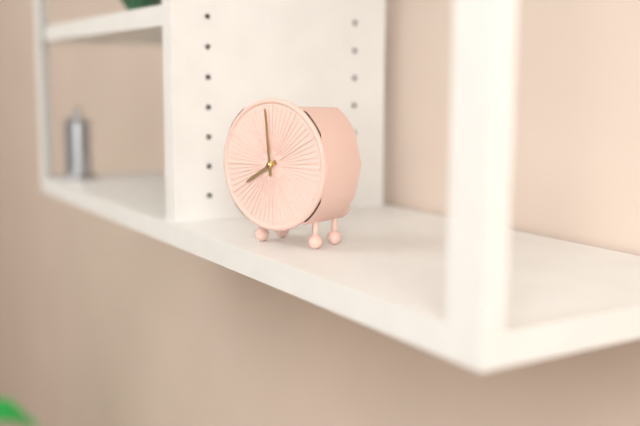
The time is **7:59**
